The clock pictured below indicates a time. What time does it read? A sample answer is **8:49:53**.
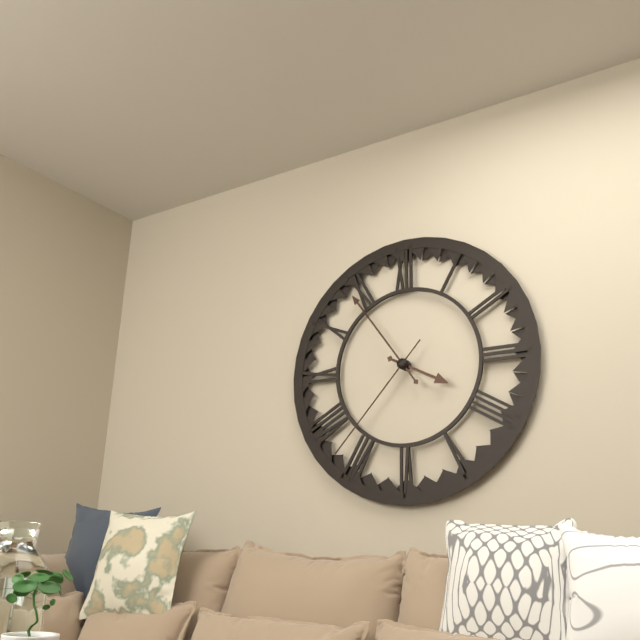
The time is **3:54:37**
